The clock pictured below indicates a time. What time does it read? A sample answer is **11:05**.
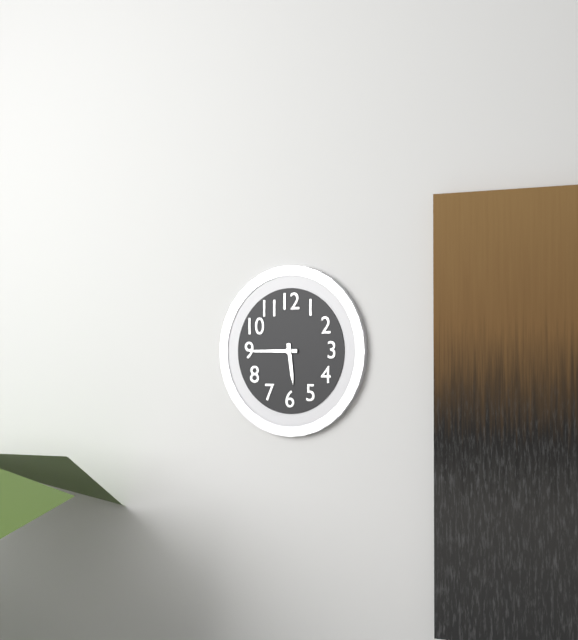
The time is **5:45**
